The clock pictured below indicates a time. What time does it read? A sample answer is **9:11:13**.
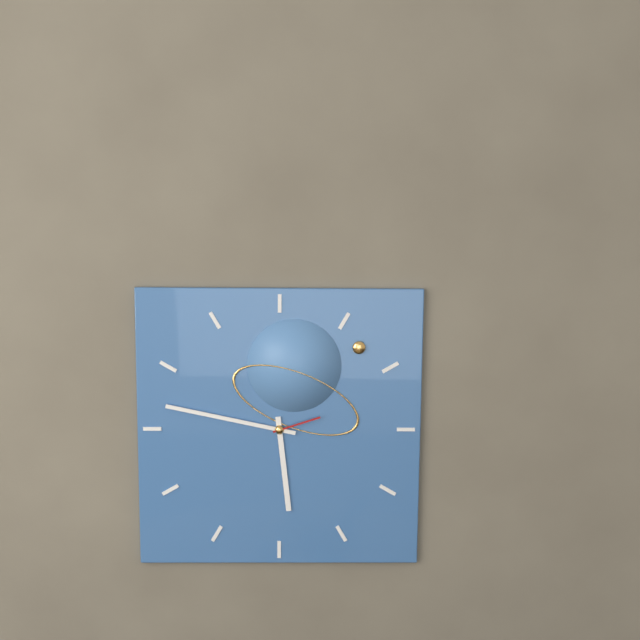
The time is **5:47:12**
